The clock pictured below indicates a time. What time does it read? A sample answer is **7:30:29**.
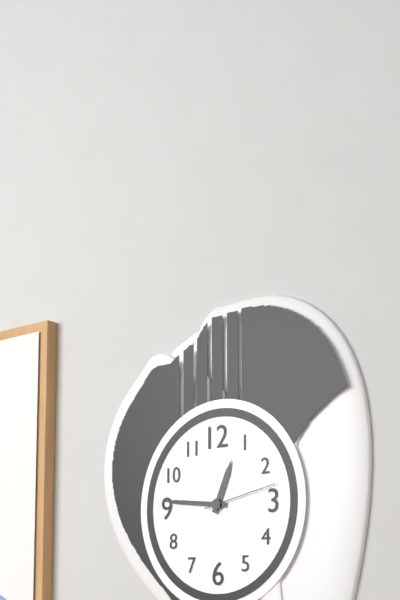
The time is **12:46:13**
